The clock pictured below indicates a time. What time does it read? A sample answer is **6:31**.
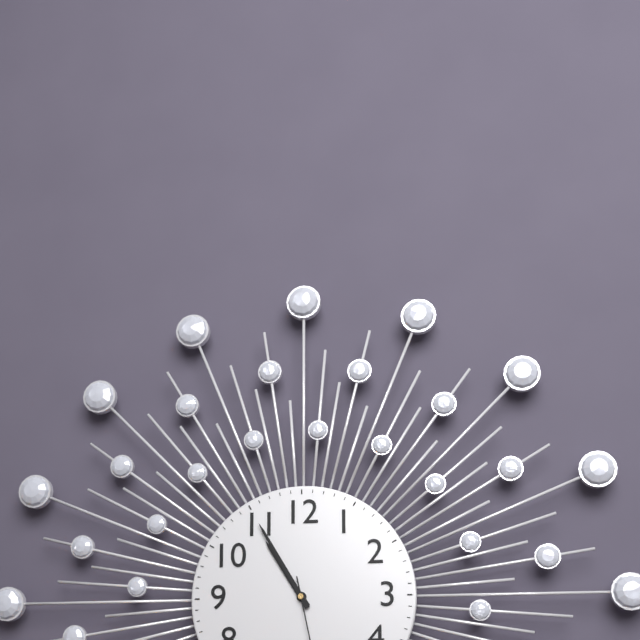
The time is **10:55**
